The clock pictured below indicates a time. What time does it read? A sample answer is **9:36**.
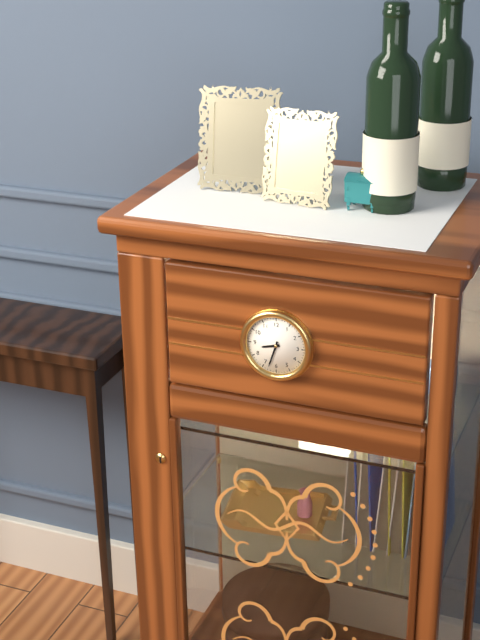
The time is **8:33**
